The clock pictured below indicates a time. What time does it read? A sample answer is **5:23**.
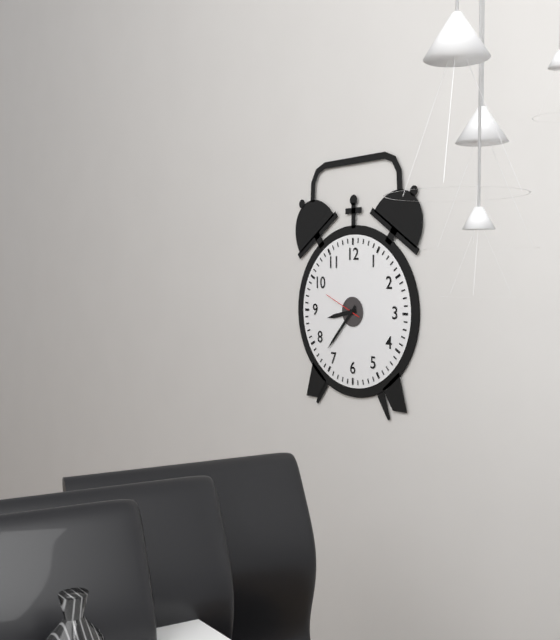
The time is **8:37**
